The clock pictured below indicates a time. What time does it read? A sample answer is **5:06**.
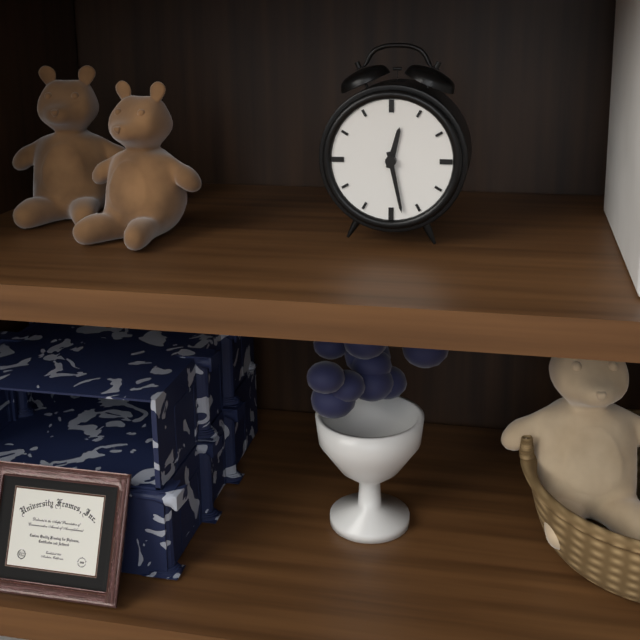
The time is **12:28**
